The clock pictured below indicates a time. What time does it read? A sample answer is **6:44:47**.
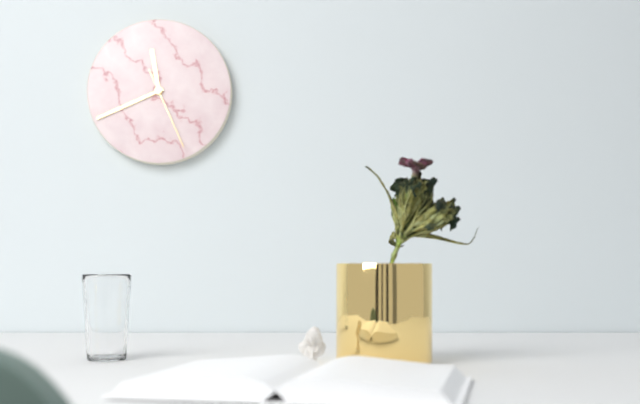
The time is **11:41:26**
